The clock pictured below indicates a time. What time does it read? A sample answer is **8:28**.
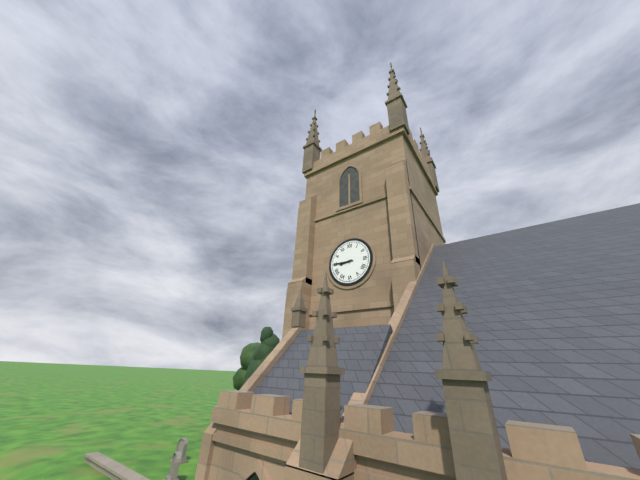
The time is **8:45**
